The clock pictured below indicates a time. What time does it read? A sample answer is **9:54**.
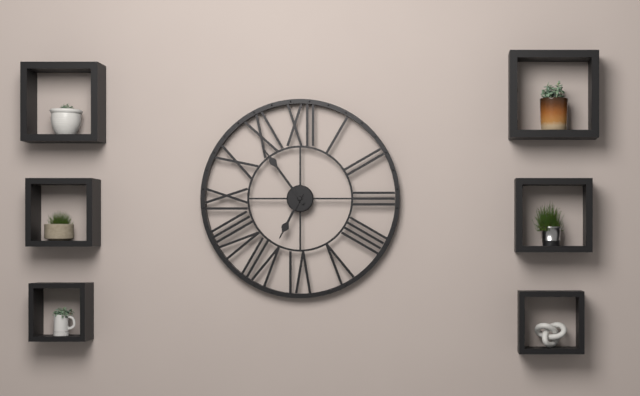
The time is **6:54**
